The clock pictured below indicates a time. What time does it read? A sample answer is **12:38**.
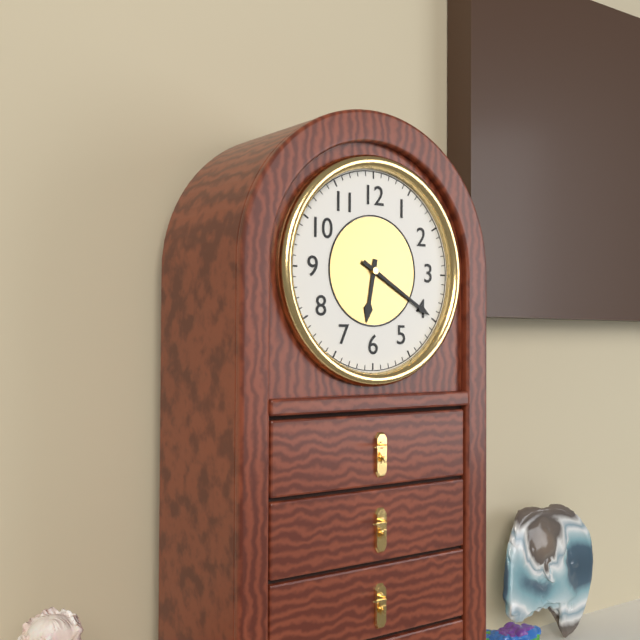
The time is **6:20**
